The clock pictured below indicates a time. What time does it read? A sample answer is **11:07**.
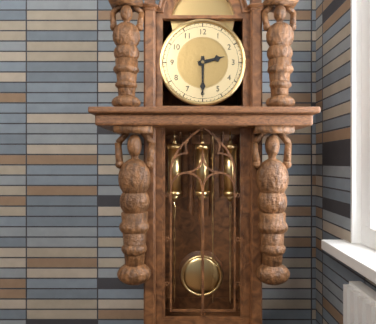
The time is **2:30**
